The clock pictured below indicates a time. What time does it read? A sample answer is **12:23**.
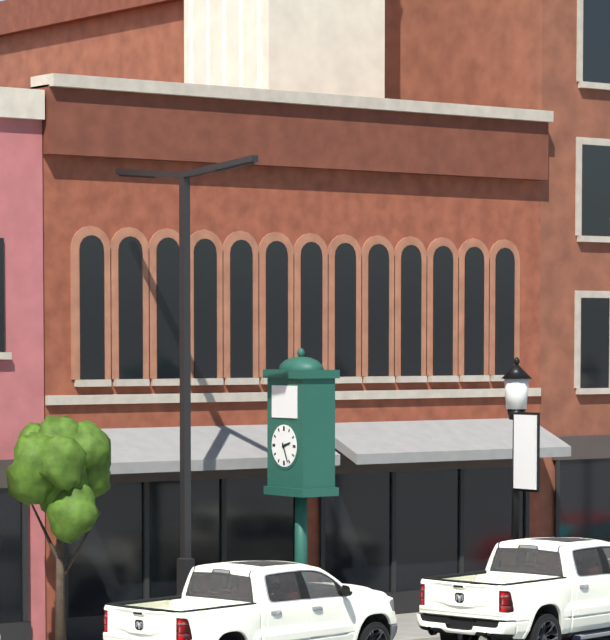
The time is **2:26**
